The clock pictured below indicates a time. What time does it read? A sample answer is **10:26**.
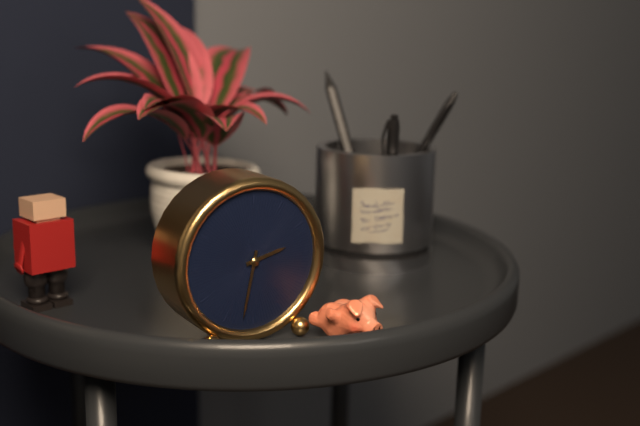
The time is **2:32**
